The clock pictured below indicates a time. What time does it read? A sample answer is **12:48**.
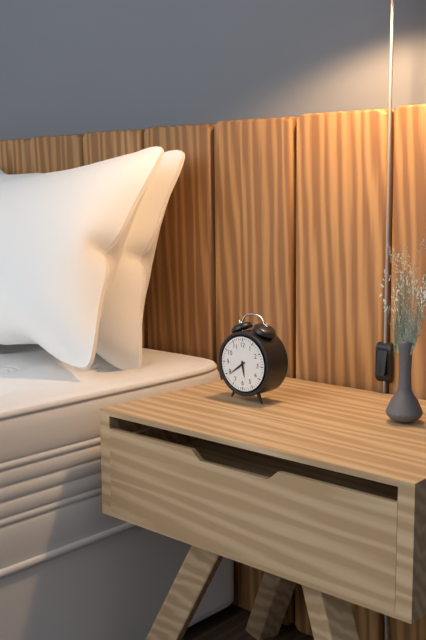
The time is **5:39**
